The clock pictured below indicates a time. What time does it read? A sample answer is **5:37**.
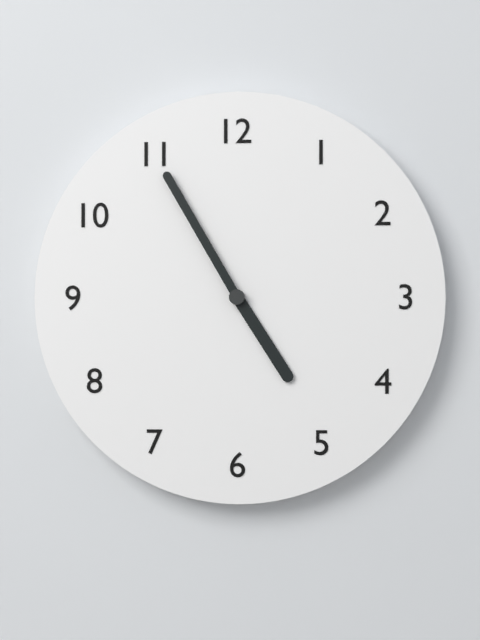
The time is **4:55**
